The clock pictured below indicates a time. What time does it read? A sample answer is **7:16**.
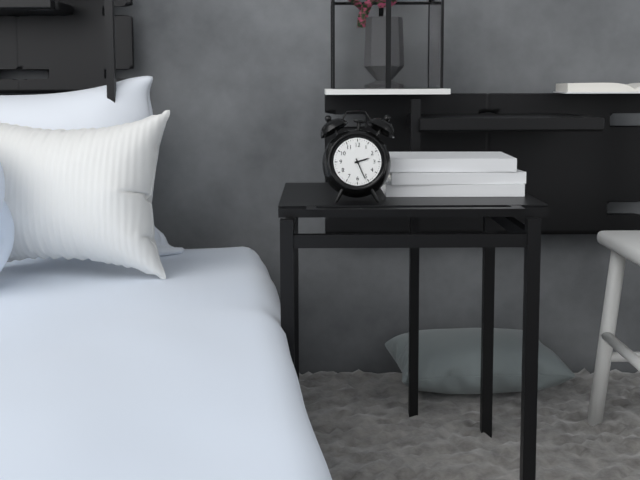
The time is **2:26**
